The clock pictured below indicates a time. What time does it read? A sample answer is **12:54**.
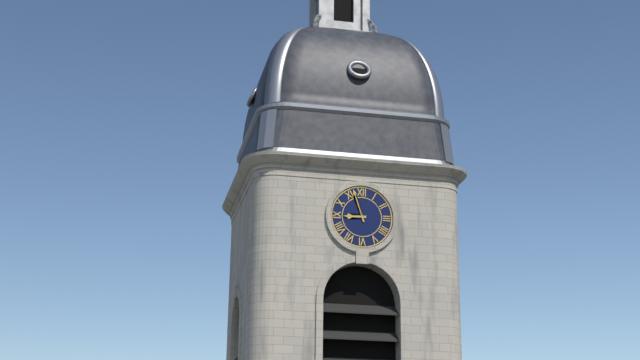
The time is **8:57**
